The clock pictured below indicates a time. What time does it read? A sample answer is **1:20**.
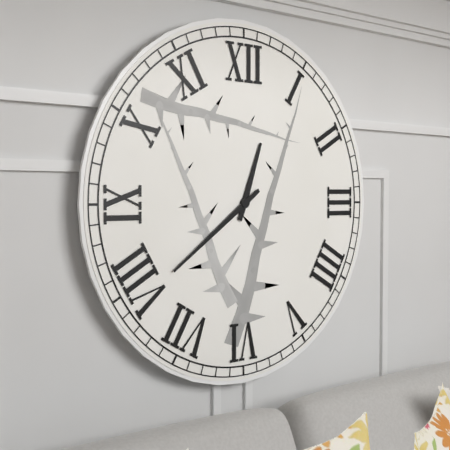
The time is **12:39**
